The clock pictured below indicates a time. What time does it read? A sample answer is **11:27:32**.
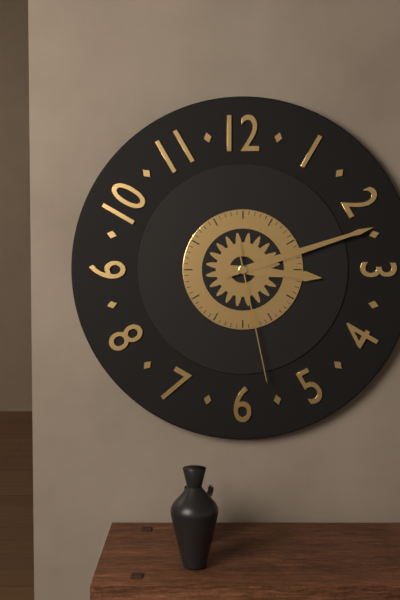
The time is **3:12:28**
